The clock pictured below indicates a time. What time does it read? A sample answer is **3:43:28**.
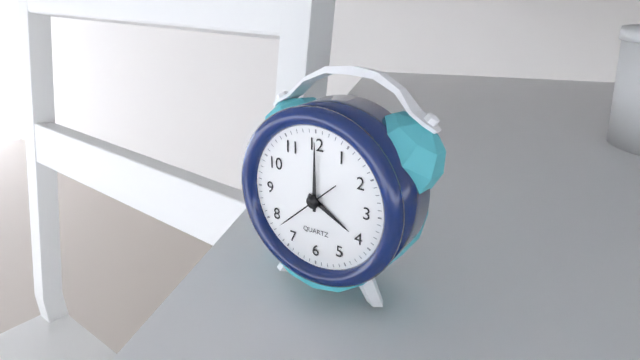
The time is **4:00:38**
